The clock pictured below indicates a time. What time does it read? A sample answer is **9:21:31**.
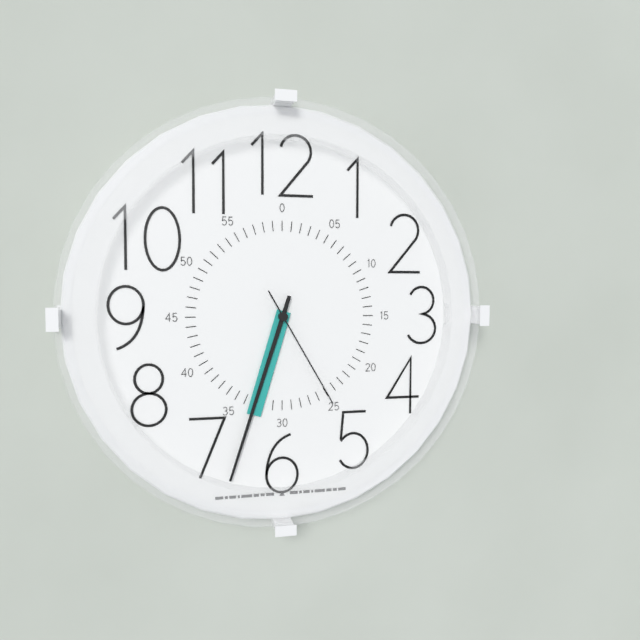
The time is **6:33:25**
